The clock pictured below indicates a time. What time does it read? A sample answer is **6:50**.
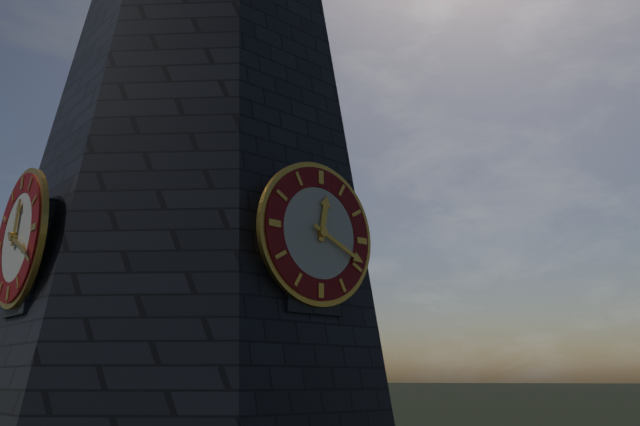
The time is **12:19**
